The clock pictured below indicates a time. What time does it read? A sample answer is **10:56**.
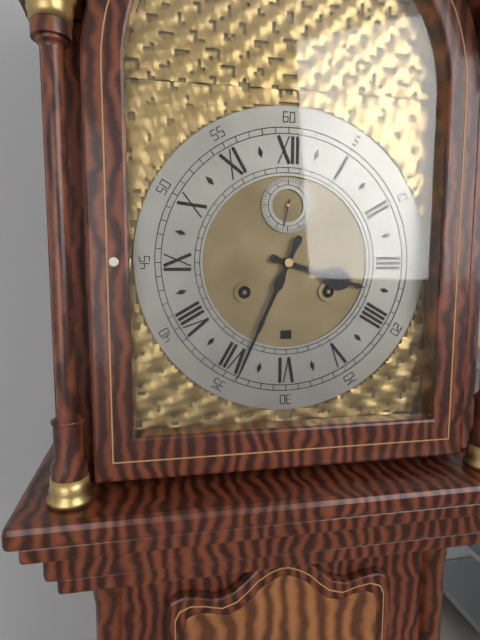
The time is **3:34**
